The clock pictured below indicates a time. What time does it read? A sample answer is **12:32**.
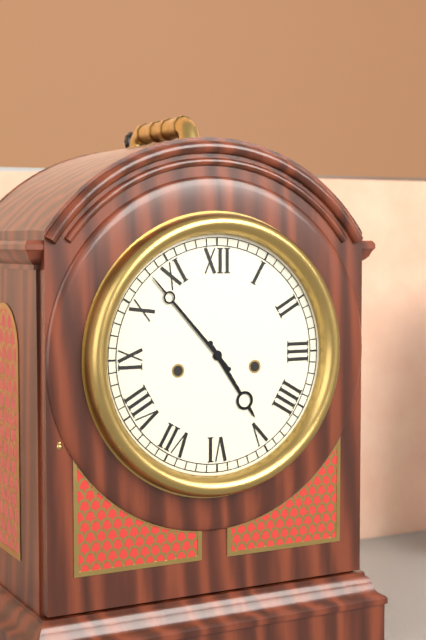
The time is **4:53**
